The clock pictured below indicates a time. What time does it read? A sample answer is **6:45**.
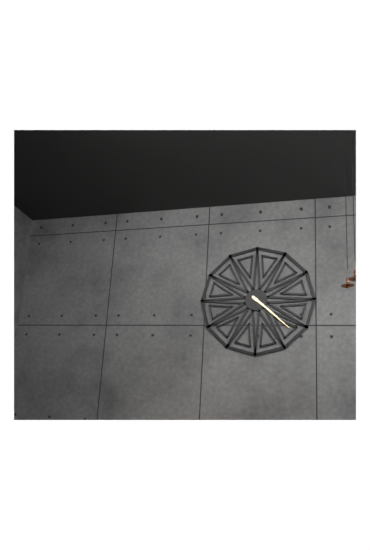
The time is **4:22**
